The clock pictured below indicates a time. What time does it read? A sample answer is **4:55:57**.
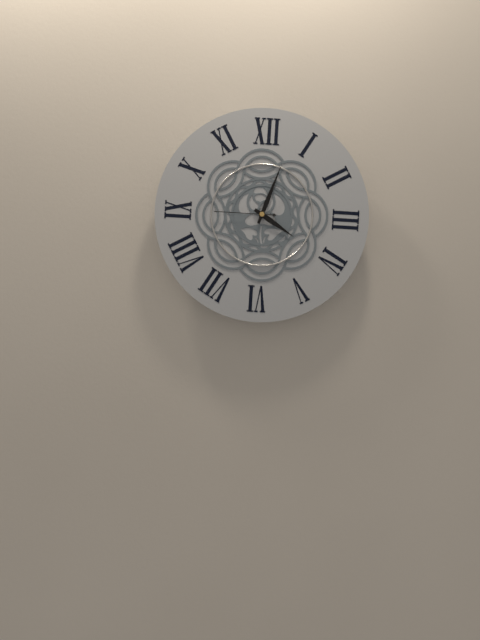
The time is **4:03:45**
